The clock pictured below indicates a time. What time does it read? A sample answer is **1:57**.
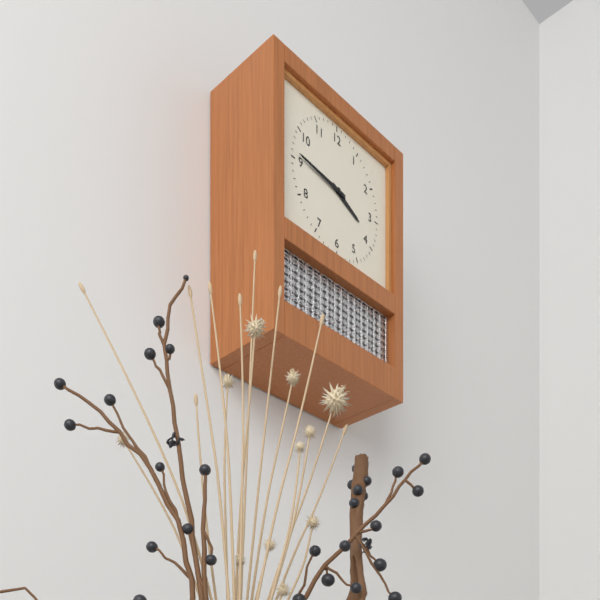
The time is **3:46**
